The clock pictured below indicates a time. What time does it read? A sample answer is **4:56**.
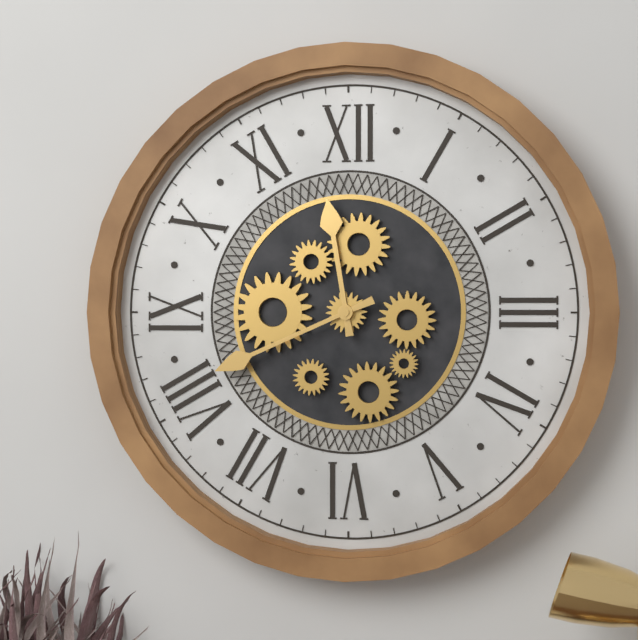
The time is **11:41**
